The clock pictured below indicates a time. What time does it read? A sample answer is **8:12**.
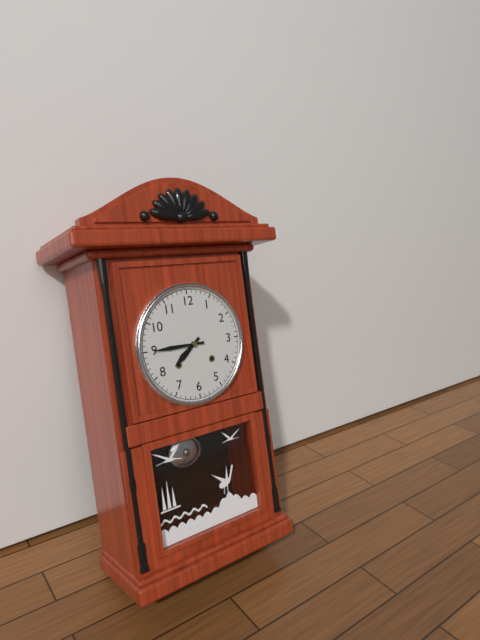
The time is **7:45**
